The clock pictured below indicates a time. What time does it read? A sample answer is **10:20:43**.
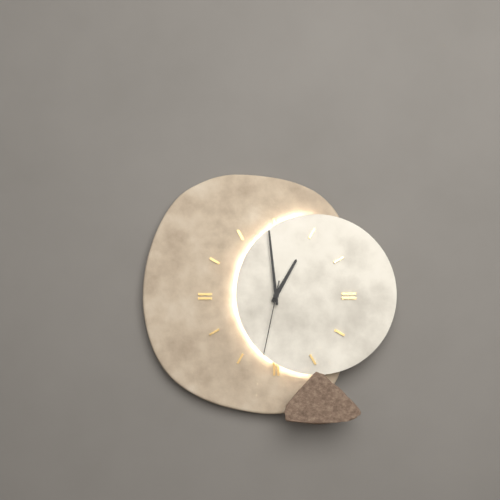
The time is **12:59:32**
